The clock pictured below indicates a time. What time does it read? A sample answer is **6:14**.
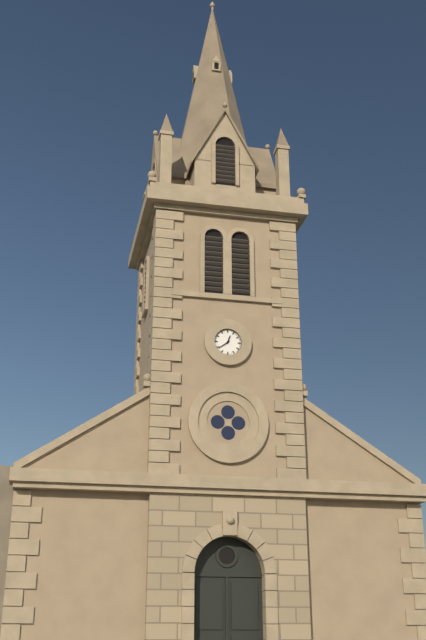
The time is **12:39**
